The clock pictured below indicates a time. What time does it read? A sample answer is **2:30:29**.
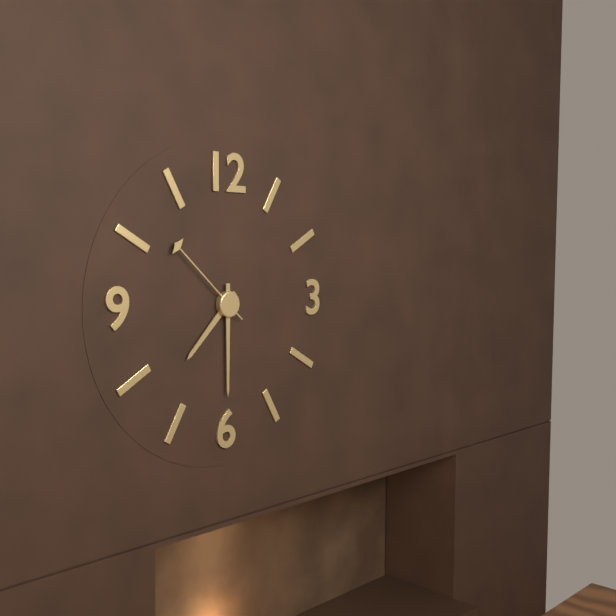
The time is **7:30:52**
